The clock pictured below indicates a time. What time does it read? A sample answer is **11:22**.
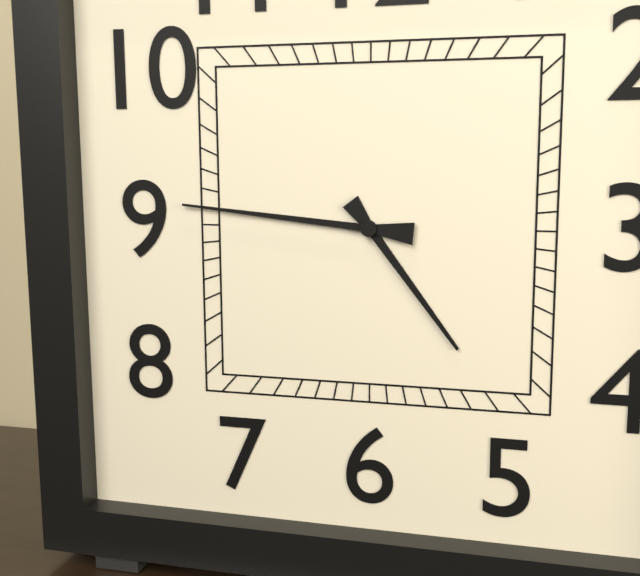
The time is **4:46**
